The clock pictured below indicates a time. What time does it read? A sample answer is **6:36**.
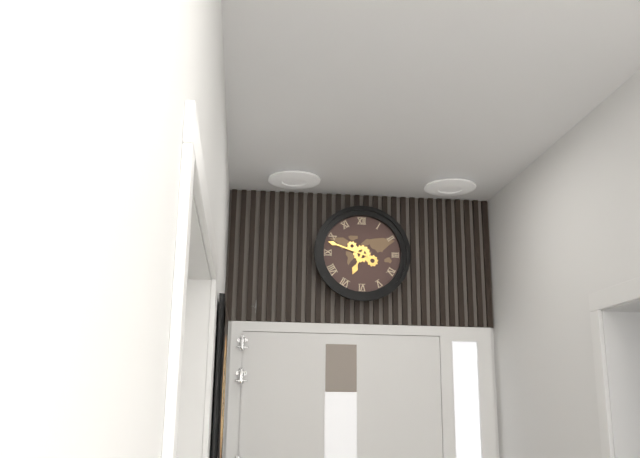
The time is **6:48**
